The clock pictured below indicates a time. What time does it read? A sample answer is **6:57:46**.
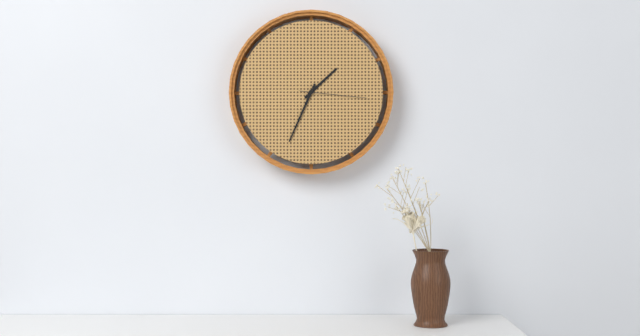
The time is **1:34:16**
